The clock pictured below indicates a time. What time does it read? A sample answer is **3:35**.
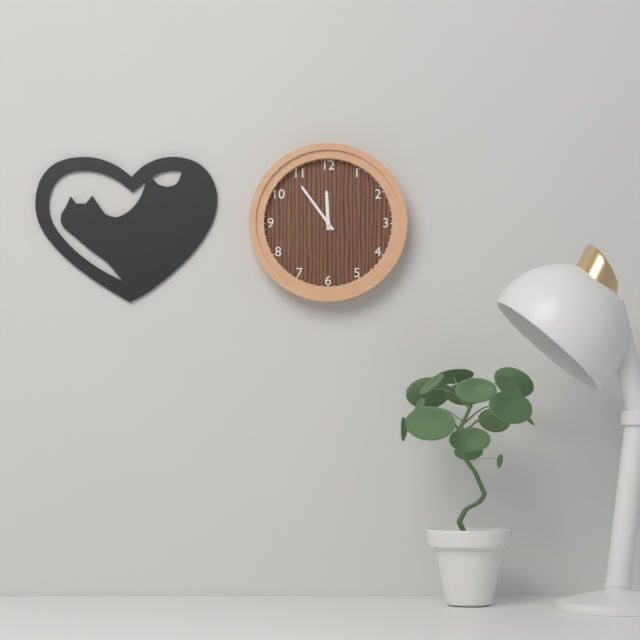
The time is **11:54**
